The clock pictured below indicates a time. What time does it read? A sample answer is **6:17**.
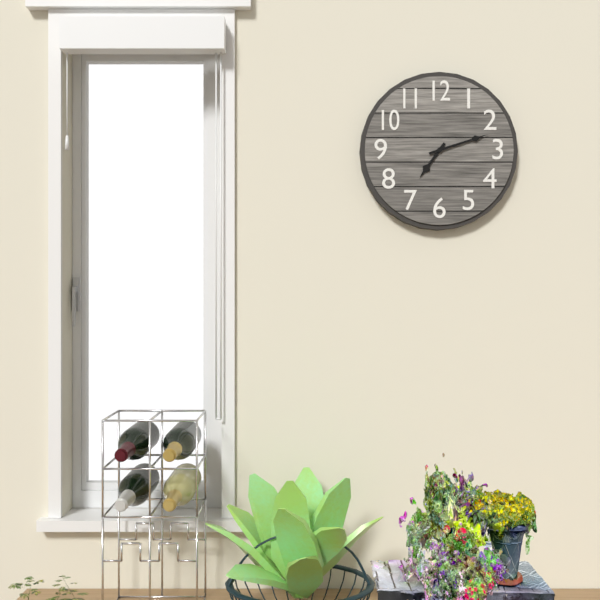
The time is **7:12**
